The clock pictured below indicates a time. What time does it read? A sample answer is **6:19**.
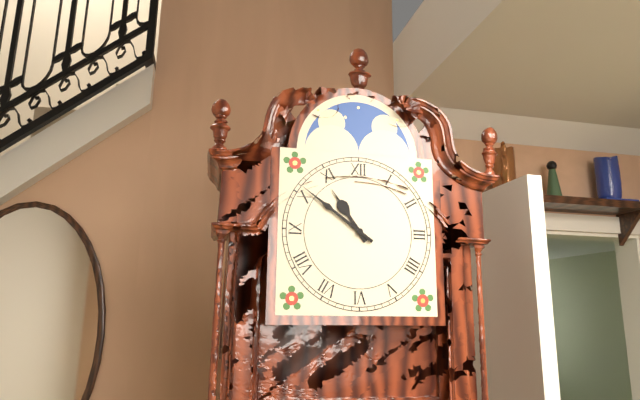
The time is **10:51**
